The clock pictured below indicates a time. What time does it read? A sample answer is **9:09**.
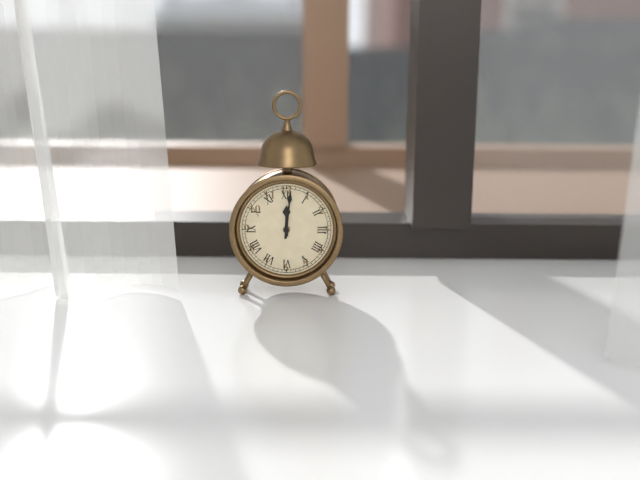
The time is **12:01**
